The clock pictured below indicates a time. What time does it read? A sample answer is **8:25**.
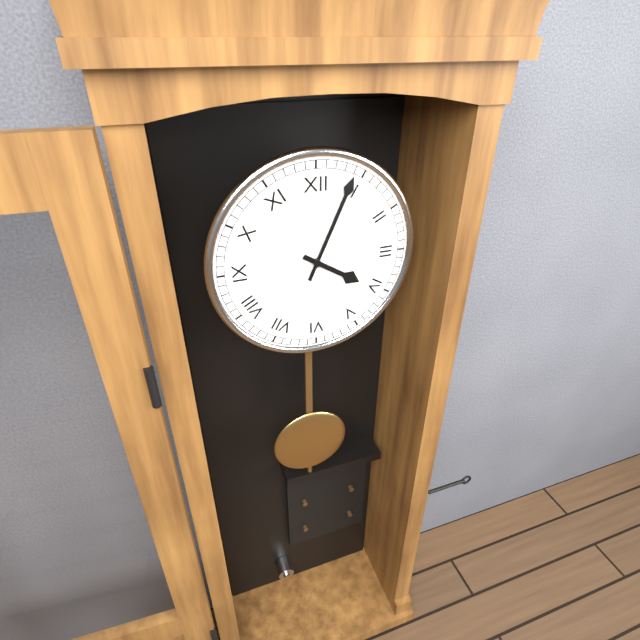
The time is **4:04**
